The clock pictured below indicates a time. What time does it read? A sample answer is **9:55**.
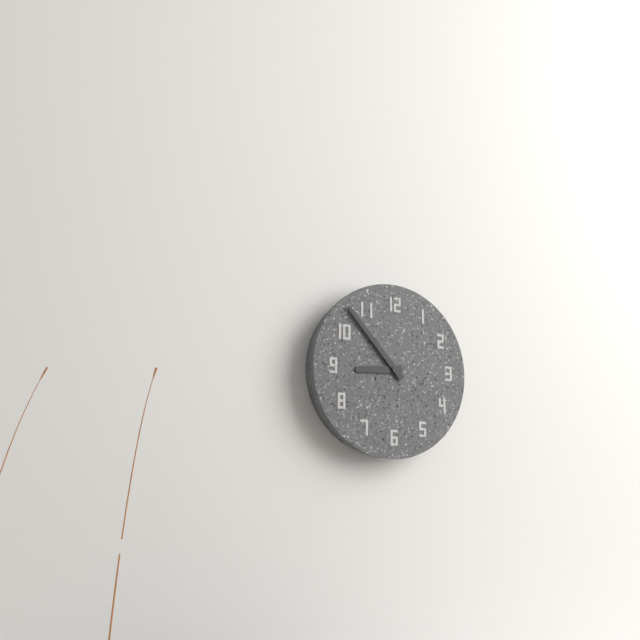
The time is **8:53**
